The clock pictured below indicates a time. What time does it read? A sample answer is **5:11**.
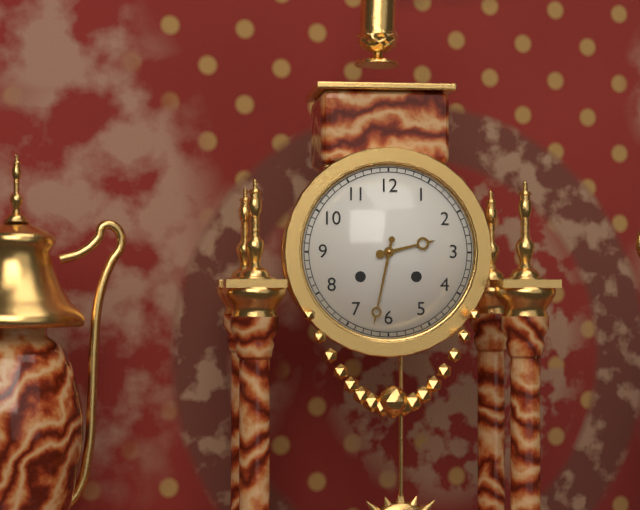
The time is **2:32**
